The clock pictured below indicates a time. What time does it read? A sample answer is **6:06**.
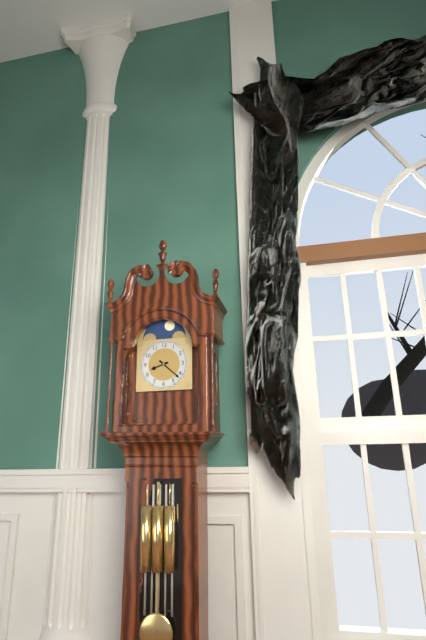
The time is **8:22**
